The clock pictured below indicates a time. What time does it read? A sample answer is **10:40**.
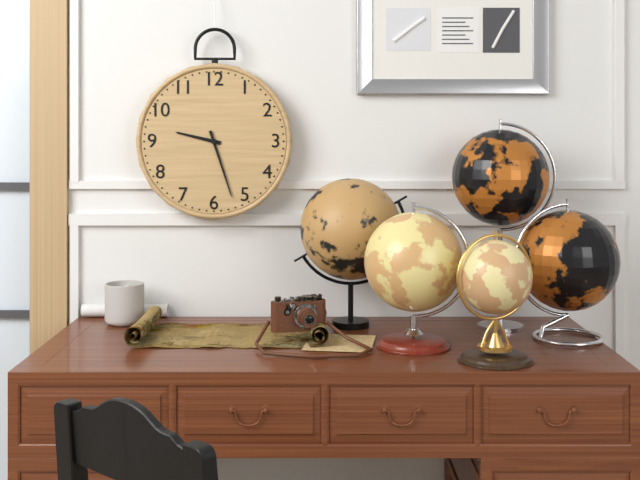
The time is **9:27**
